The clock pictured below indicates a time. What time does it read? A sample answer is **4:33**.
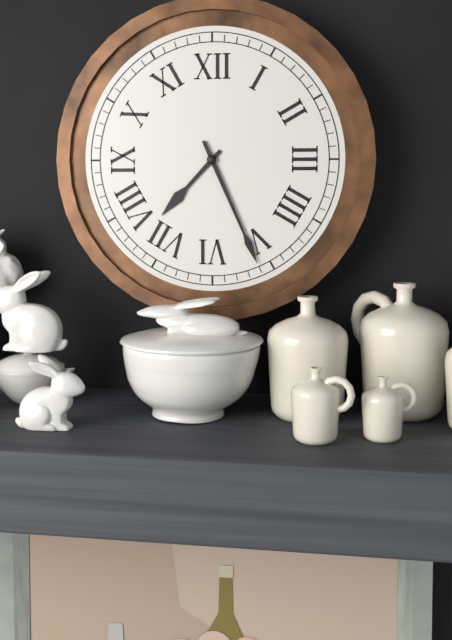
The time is **7:26**
